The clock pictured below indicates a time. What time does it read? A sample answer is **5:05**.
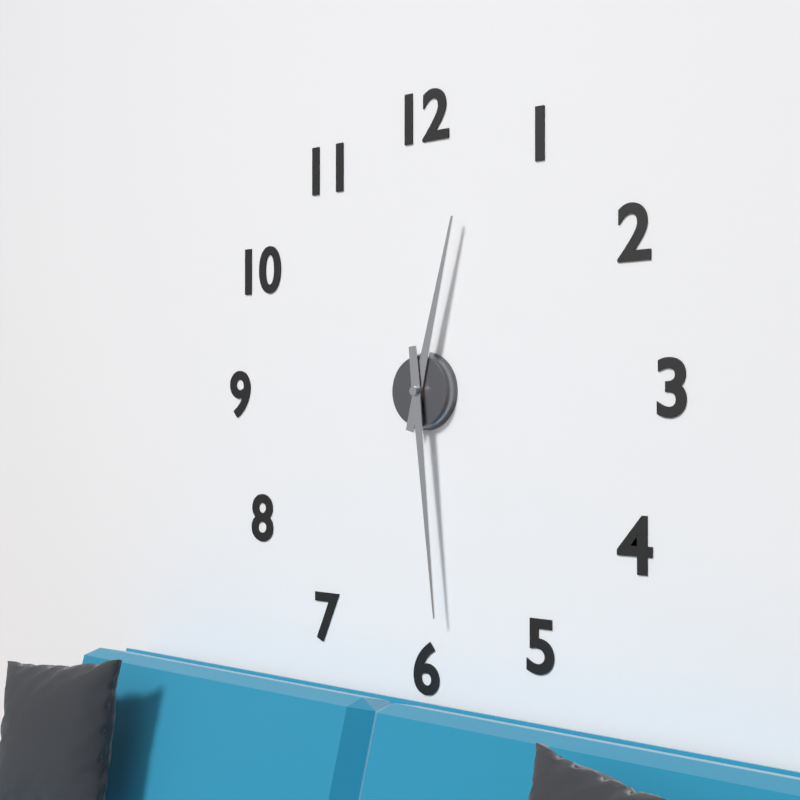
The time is **12:29**
